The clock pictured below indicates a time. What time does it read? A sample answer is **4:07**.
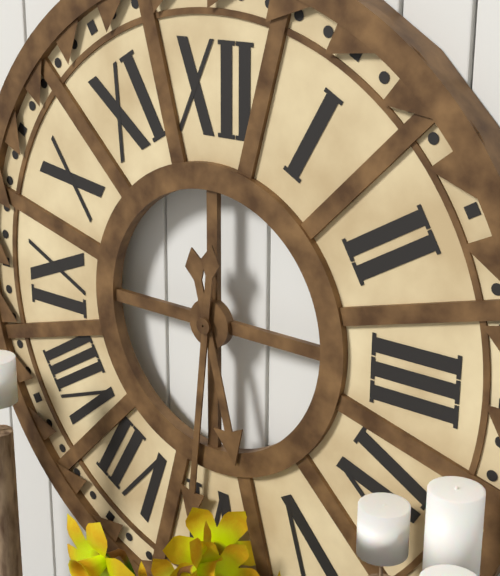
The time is **5:31**
